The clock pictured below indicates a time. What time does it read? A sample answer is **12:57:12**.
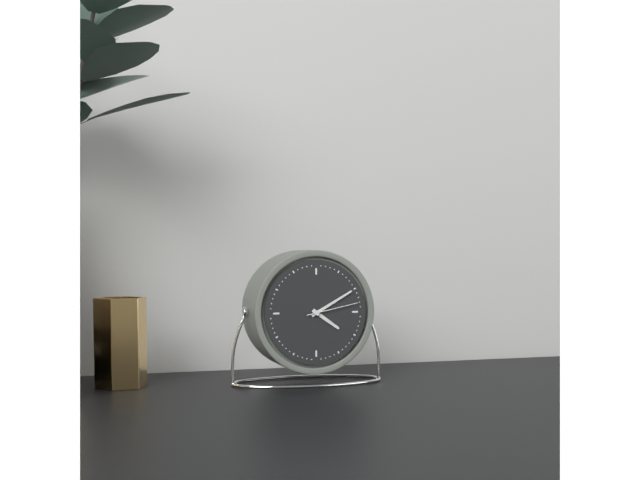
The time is **4:10:13**
